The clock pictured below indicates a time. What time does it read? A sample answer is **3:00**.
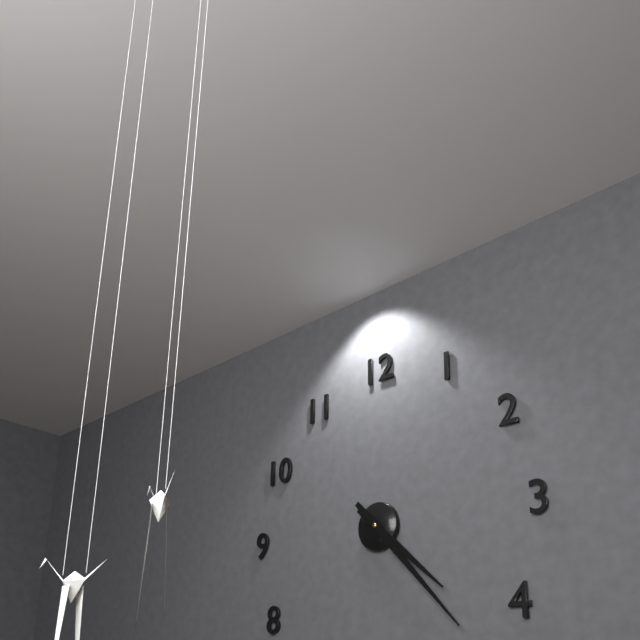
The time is **4:23**
